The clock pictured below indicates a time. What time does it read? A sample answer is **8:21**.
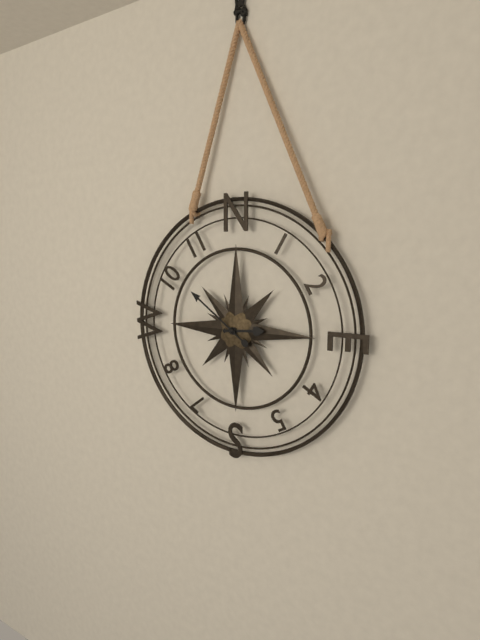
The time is **2:51**
